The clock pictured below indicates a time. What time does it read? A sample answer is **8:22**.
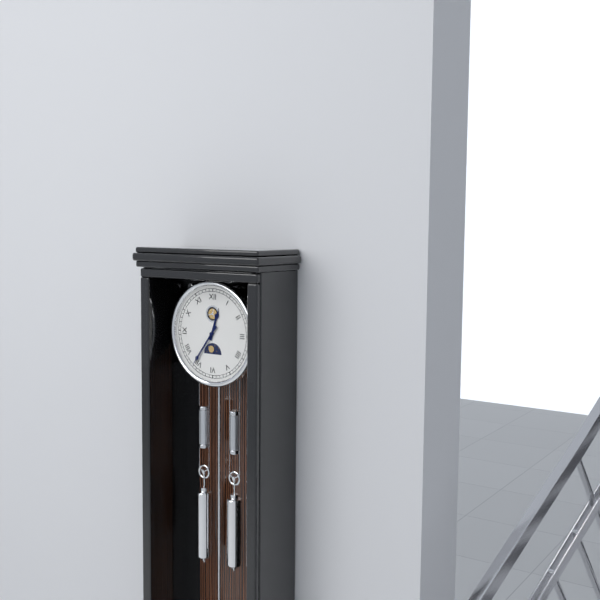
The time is **12:36**
